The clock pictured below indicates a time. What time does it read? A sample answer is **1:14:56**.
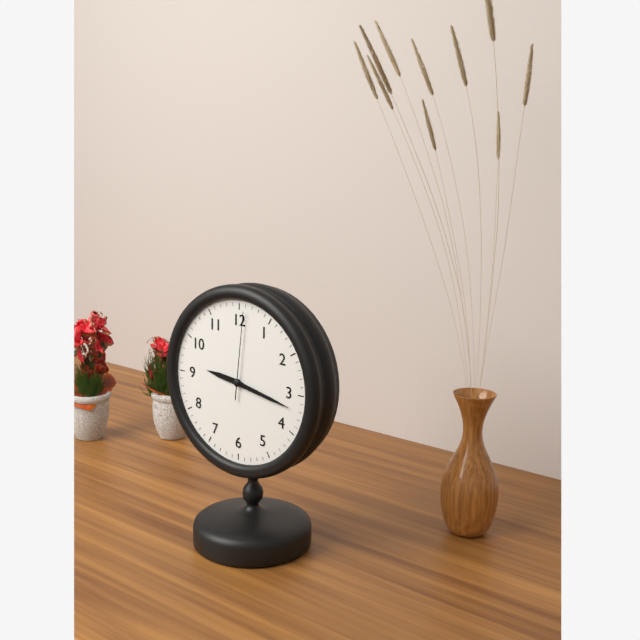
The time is **9:17:01**
